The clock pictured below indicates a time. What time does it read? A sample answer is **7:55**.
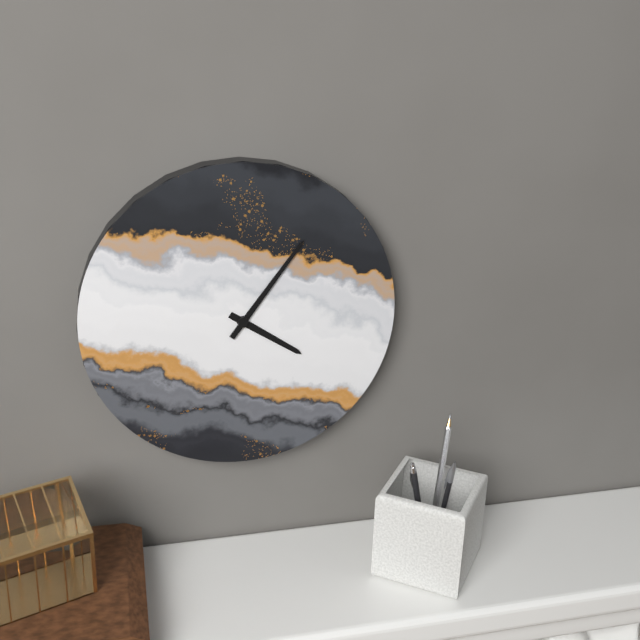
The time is **4:06**
